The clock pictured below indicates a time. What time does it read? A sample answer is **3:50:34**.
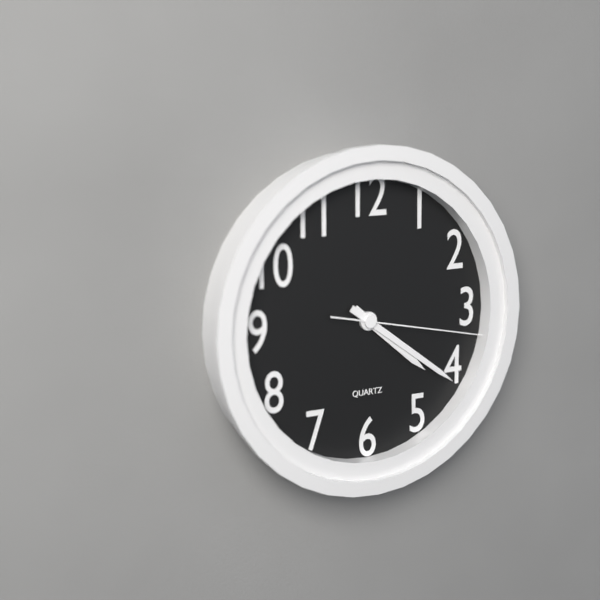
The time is **4:21:17**
